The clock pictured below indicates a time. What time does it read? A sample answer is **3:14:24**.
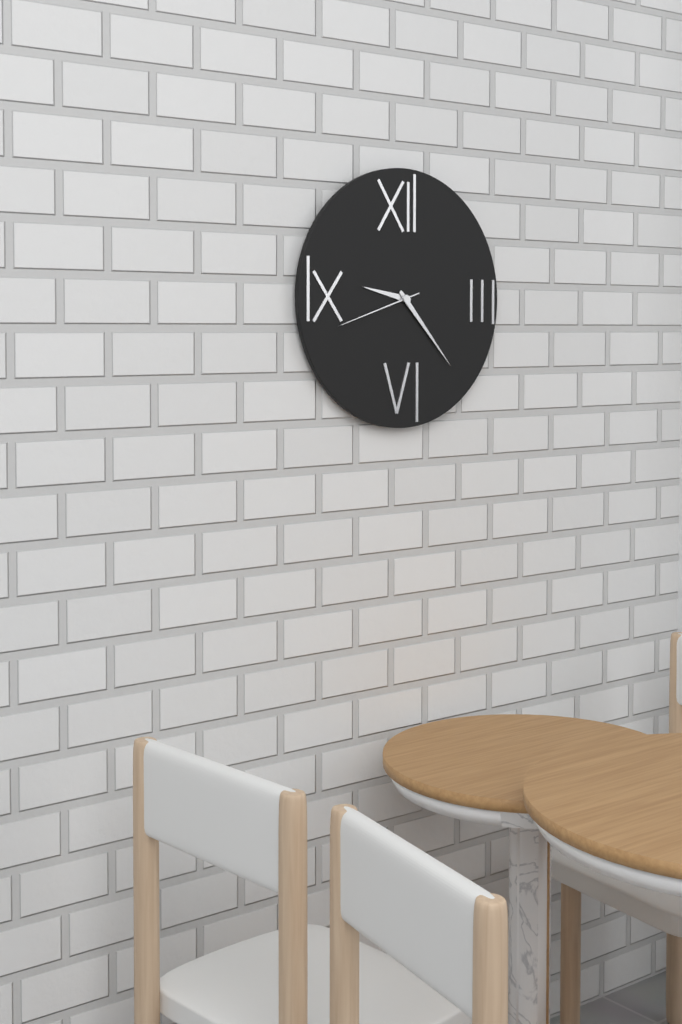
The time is **9:23:42**
